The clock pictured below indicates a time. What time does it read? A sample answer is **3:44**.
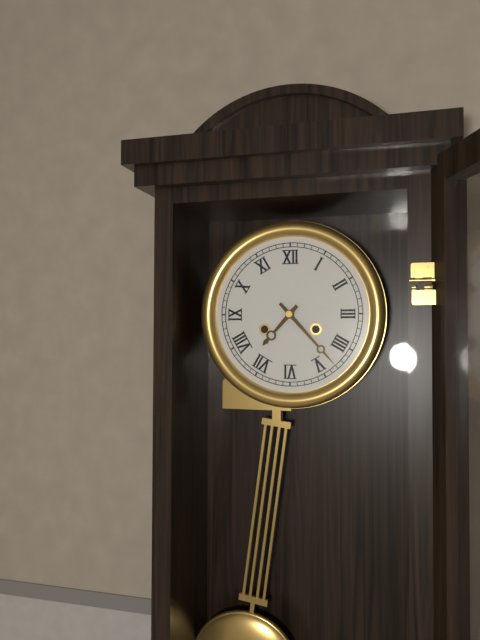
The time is **7:23**
